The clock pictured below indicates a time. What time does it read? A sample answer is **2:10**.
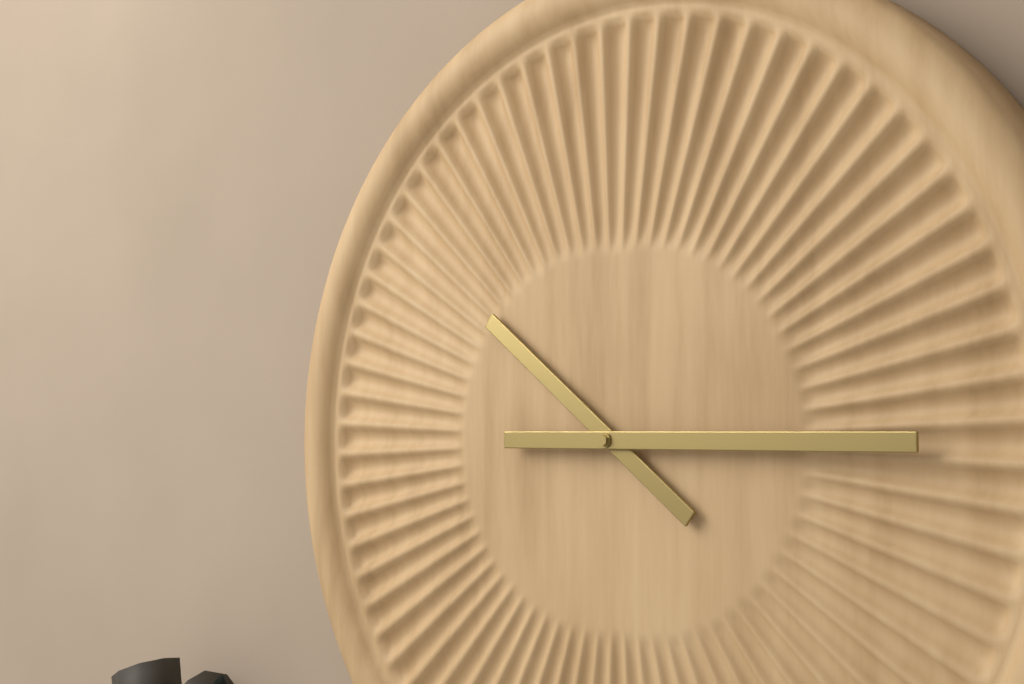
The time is **10:15**
